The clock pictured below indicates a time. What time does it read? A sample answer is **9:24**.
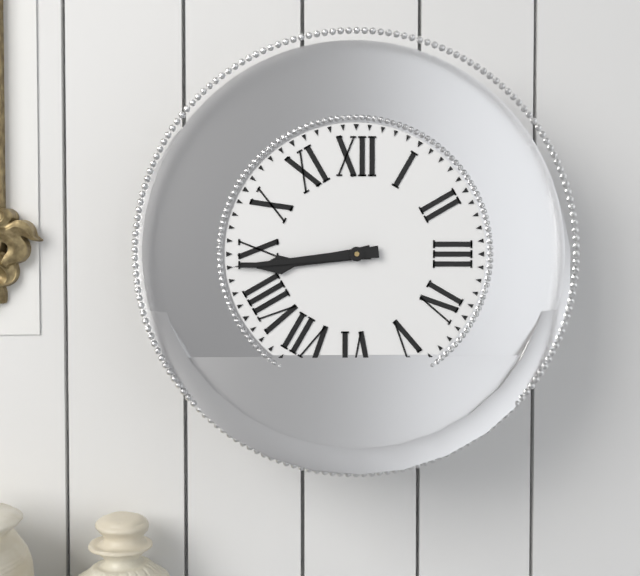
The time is **8:44**
